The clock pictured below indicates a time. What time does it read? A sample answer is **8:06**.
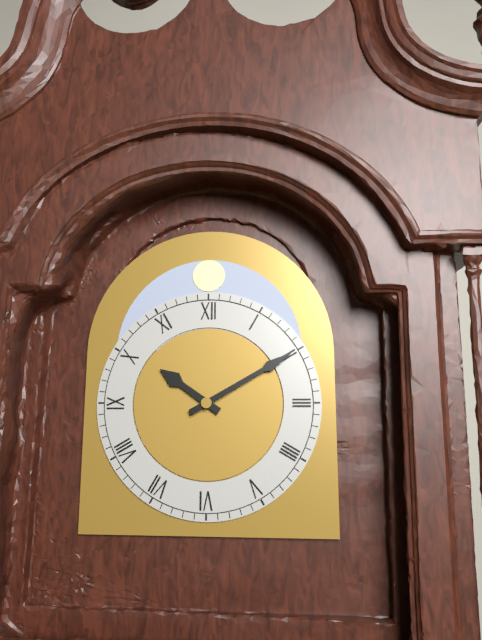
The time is **10:10**
